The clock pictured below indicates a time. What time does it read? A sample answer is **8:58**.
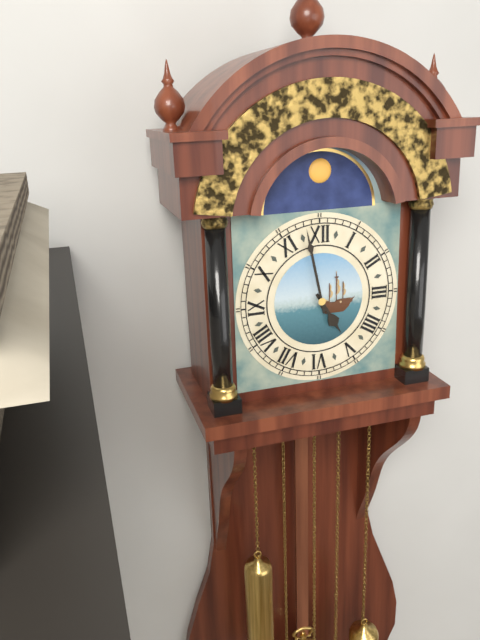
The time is **4:58**
